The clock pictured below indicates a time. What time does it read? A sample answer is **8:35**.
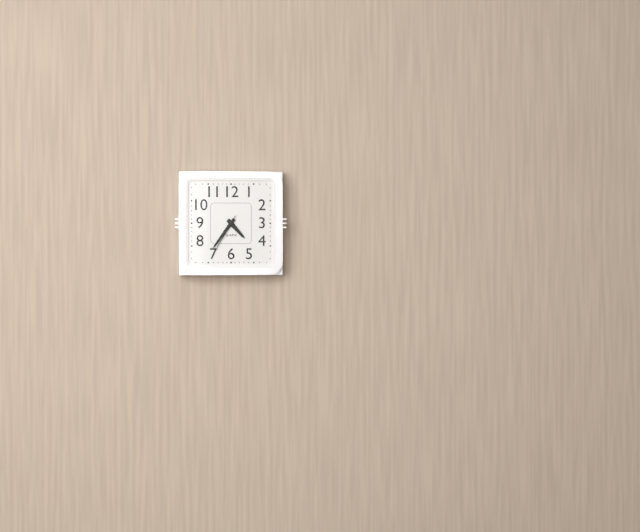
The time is **4:36**
